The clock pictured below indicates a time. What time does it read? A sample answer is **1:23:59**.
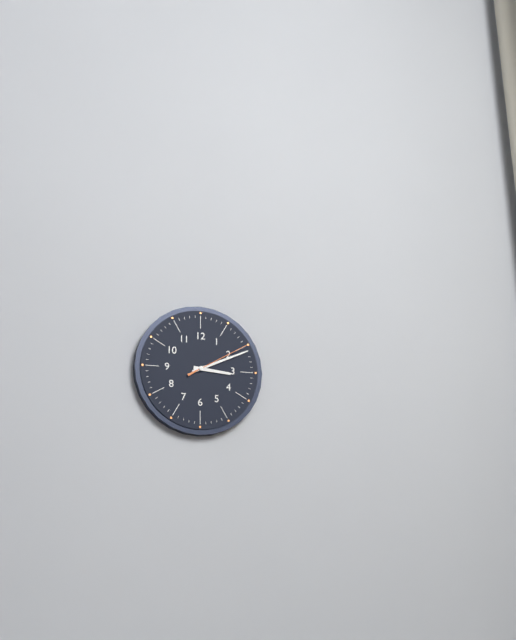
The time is **3:11:10**
